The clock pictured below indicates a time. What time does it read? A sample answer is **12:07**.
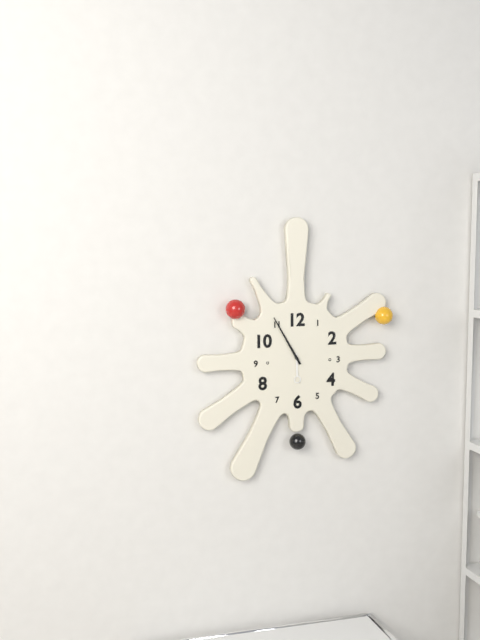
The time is **5:55**
